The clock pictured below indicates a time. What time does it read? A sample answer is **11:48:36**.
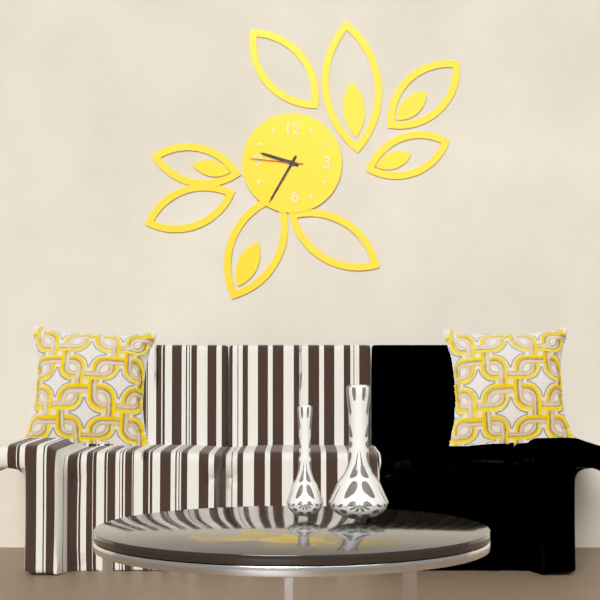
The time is **9:35:46**
